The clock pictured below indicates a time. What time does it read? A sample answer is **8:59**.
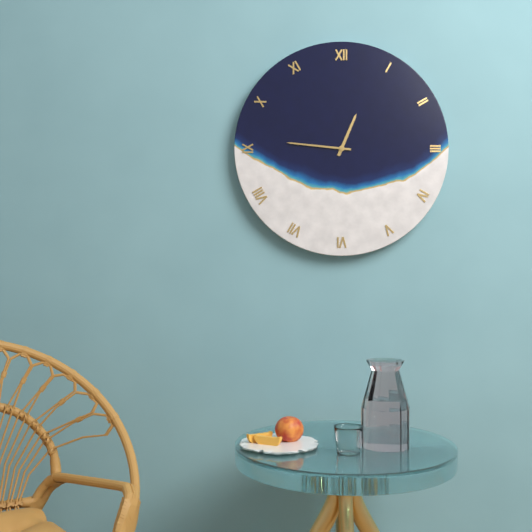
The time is **12:46**
